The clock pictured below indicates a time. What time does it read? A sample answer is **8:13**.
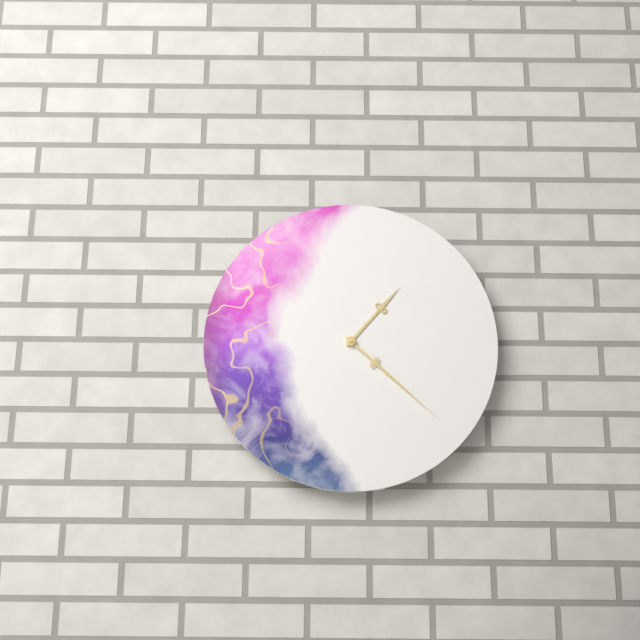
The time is **1:22**
